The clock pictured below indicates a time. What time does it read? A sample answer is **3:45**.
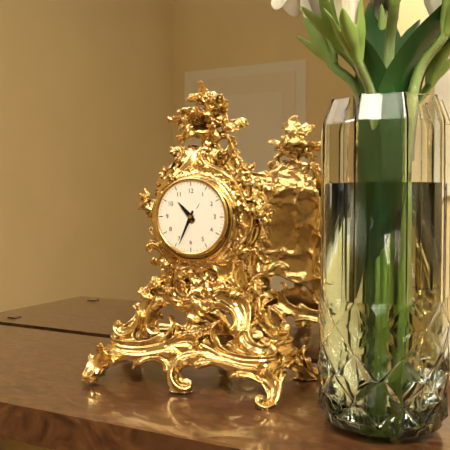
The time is **10:34**
